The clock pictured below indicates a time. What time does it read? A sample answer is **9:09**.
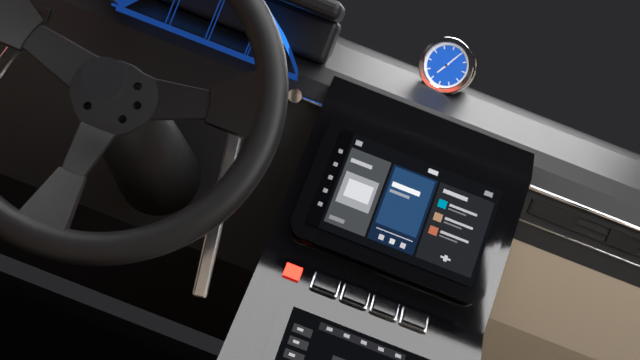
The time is **7:05**
